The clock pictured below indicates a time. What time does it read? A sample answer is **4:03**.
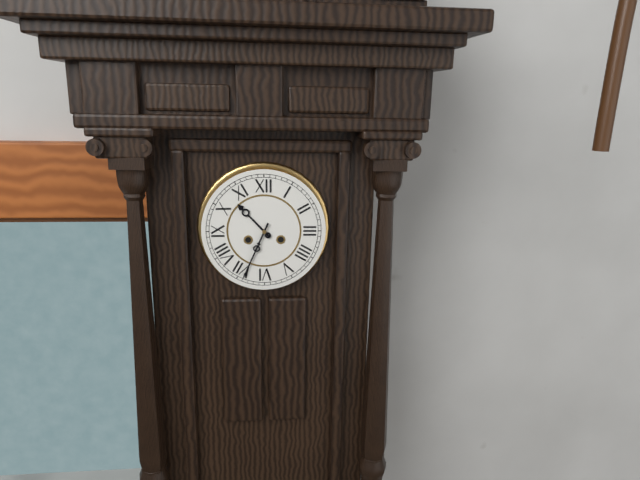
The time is **10:34**
